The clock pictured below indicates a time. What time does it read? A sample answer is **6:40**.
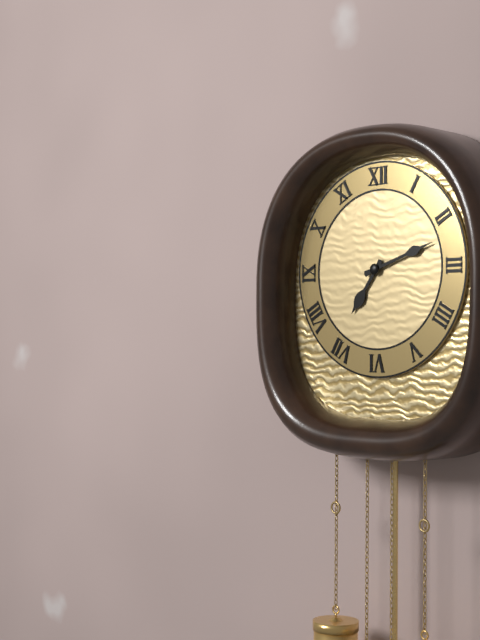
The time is **7:12**
